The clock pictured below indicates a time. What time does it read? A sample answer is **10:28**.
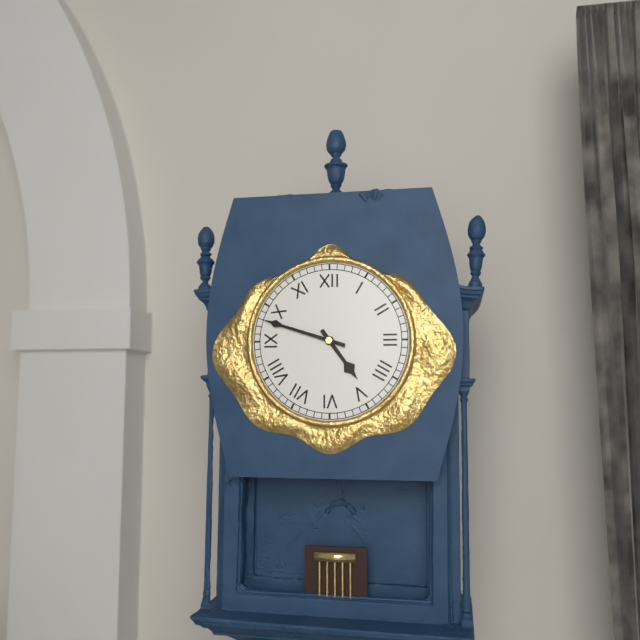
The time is **4:48**
